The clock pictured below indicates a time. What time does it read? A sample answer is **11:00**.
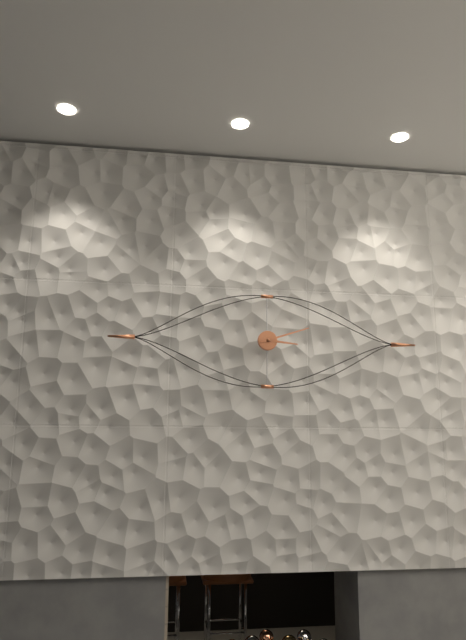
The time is **3:12**
